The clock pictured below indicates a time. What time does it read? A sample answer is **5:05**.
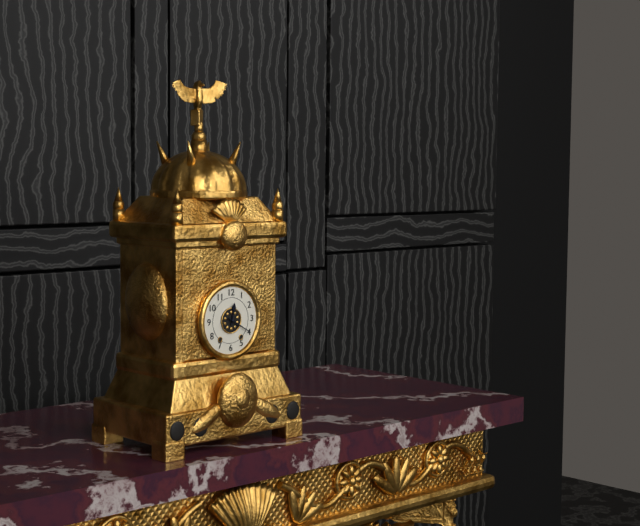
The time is **12:20**
